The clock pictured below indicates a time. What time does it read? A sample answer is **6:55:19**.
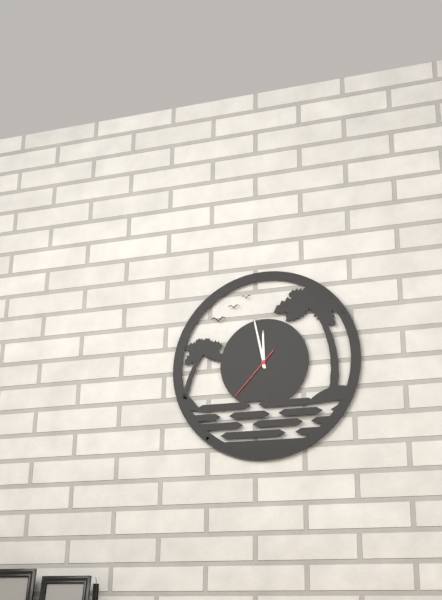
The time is **11:58:37**
